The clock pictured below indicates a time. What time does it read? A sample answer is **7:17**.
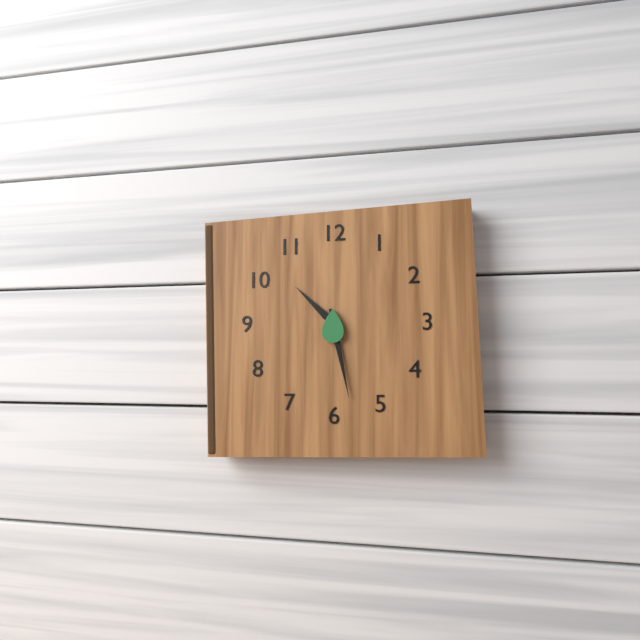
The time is **10:28**
